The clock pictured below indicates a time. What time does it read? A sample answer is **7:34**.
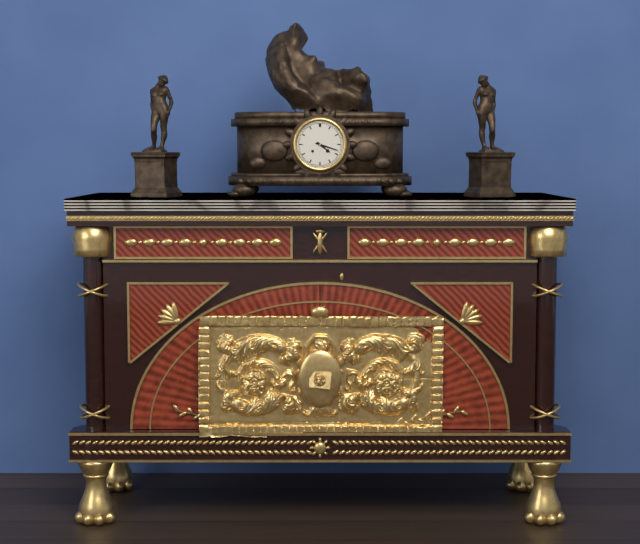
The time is **4:18**
